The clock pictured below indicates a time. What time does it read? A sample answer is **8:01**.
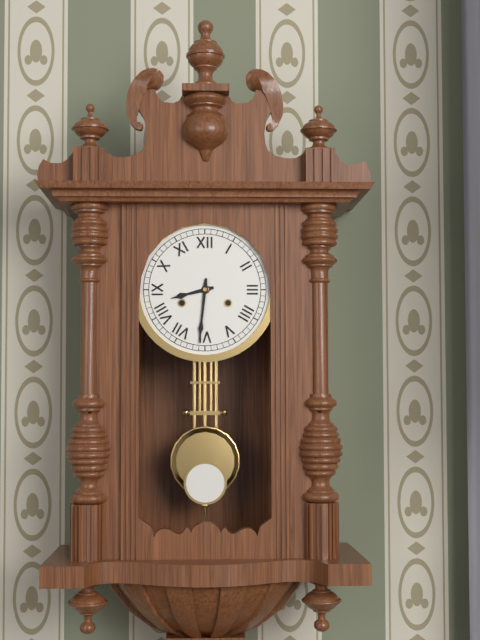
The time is **8:31**
